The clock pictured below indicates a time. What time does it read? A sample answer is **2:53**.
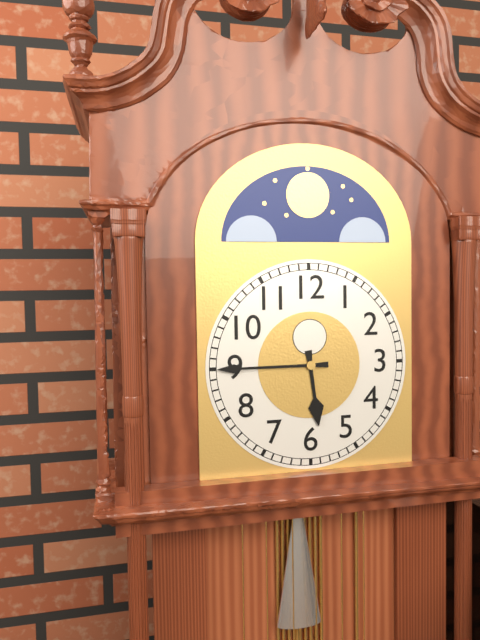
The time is **5:45**
